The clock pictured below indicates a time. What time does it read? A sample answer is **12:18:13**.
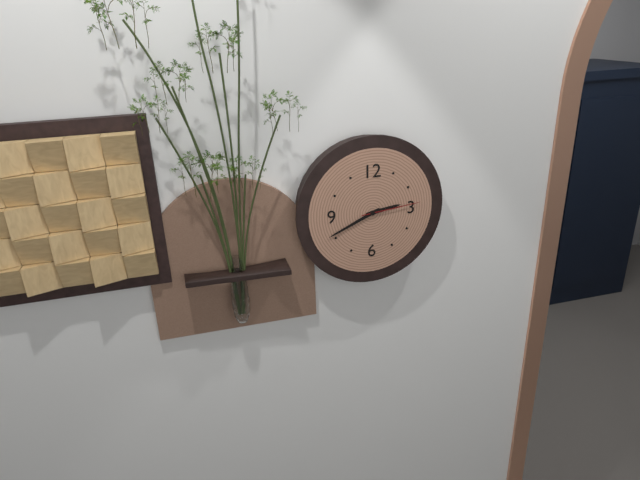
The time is **2:41:14**
